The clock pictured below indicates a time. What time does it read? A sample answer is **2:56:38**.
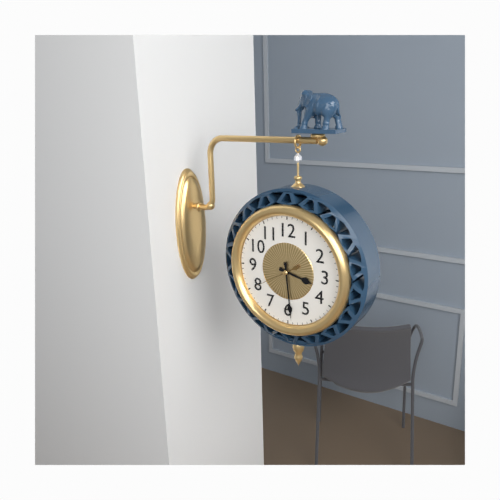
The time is **3:29:40**
